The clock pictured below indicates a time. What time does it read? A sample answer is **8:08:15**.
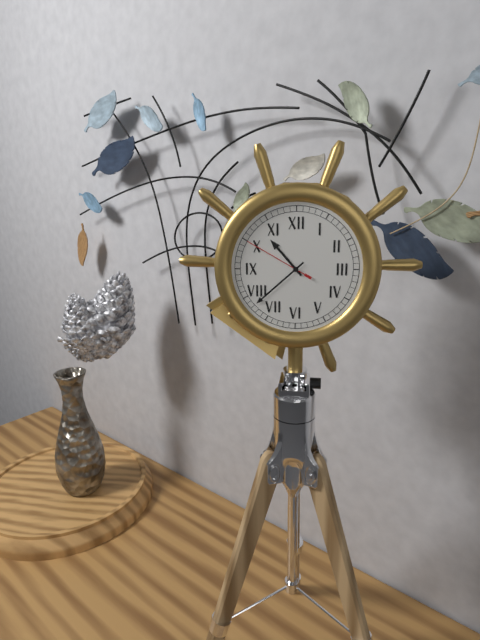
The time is **10:38:50**
